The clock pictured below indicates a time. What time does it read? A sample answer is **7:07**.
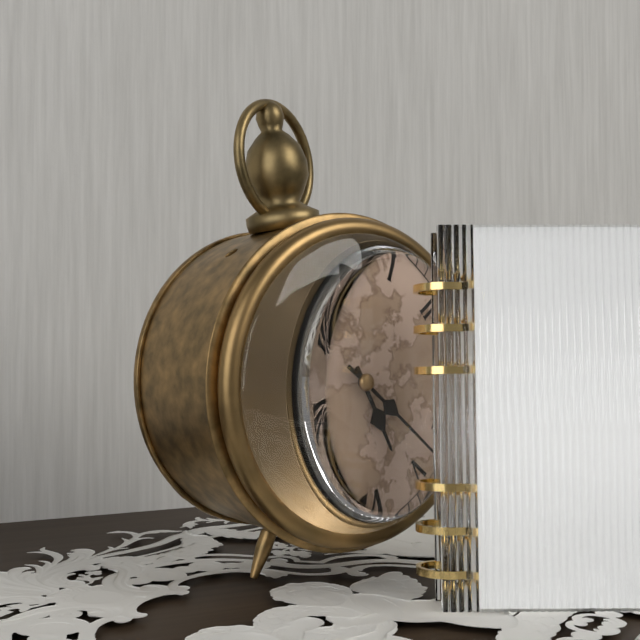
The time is **5:23**
